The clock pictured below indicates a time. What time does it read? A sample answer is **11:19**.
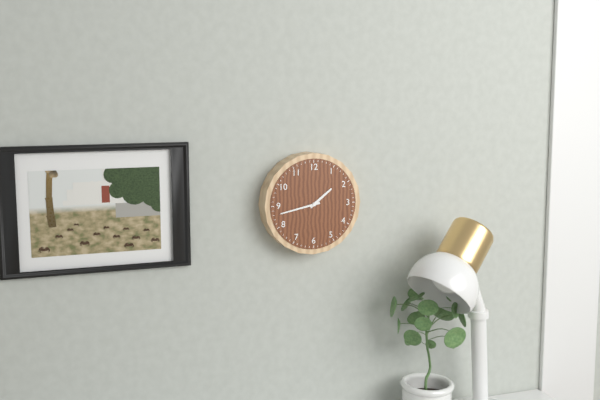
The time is **1:43**
